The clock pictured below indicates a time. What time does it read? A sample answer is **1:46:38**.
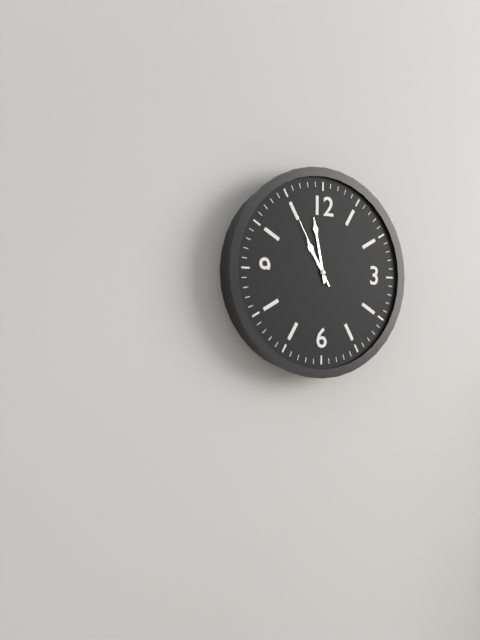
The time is **10:58:55**
